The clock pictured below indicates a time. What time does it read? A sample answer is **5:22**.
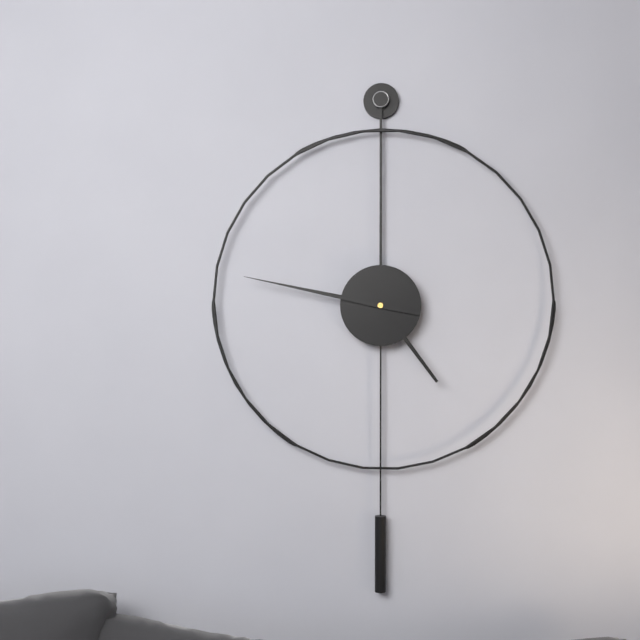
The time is **4:47**
